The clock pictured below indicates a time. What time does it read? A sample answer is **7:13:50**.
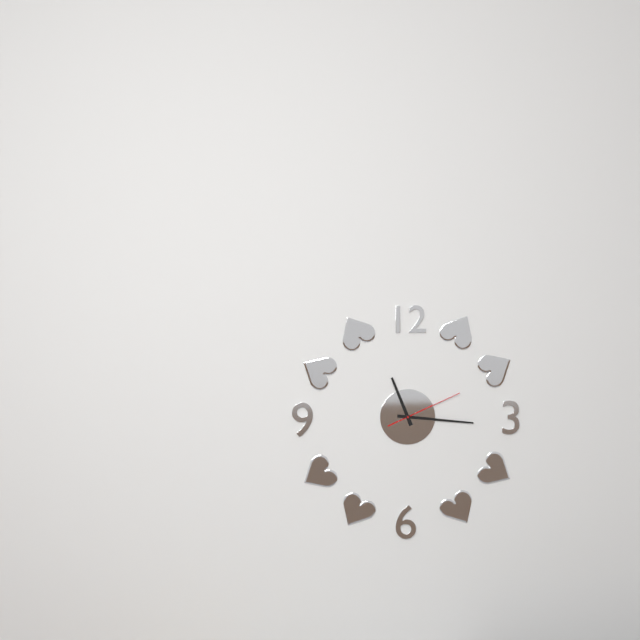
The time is **11:16:11**
